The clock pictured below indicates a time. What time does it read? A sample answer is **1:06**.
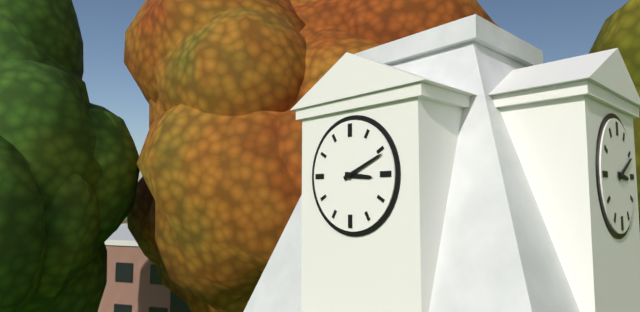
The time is **3:11**
